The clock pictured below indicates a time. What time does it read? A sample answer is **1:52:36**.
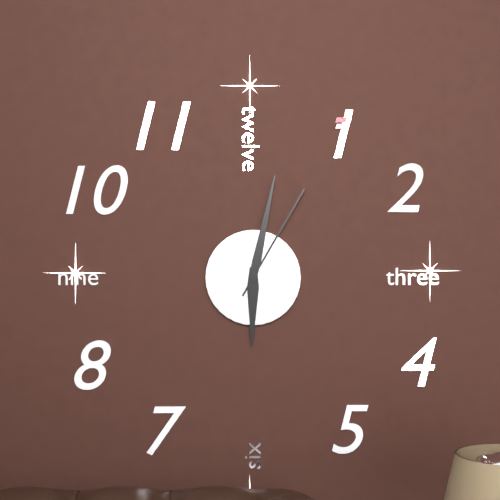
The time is **6:02:05**
